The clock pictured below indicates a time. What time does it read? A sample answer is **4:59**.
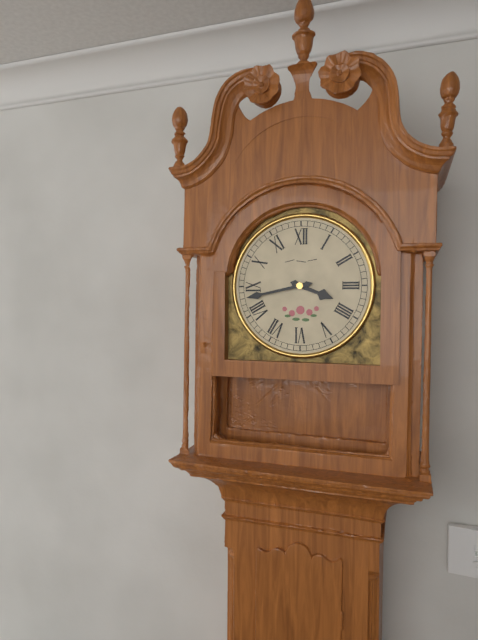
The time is **3:43**
